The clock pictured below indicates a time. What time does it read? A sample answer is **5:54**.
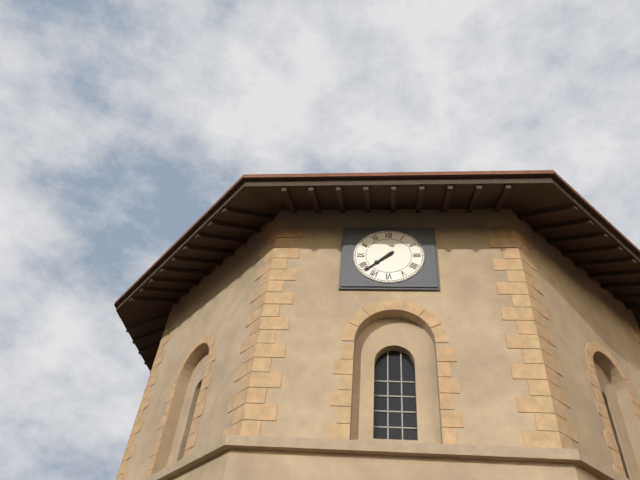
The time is **7:38**
